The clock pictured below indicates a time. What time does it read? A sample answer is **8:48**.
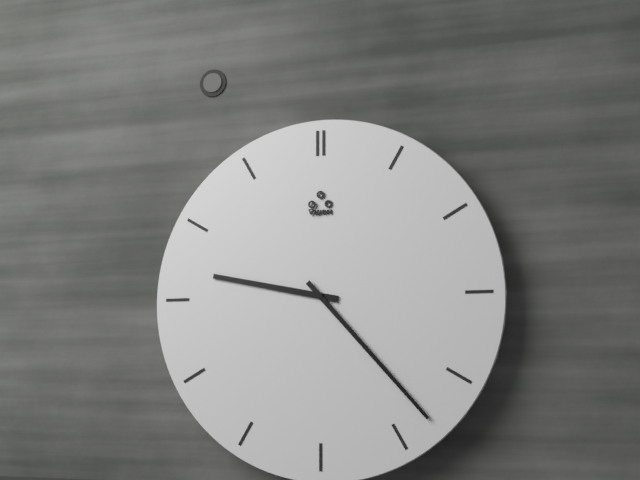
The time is **9:23**
